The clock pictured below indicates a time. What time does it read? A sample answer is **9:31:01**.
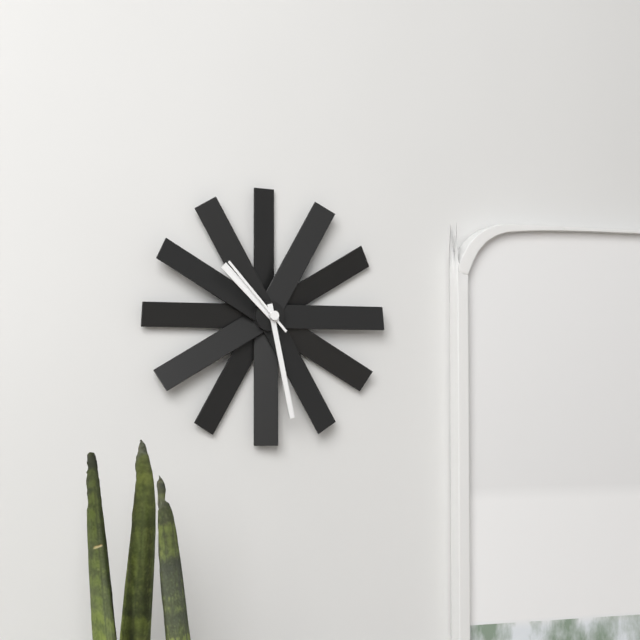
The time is **10:28:53**
